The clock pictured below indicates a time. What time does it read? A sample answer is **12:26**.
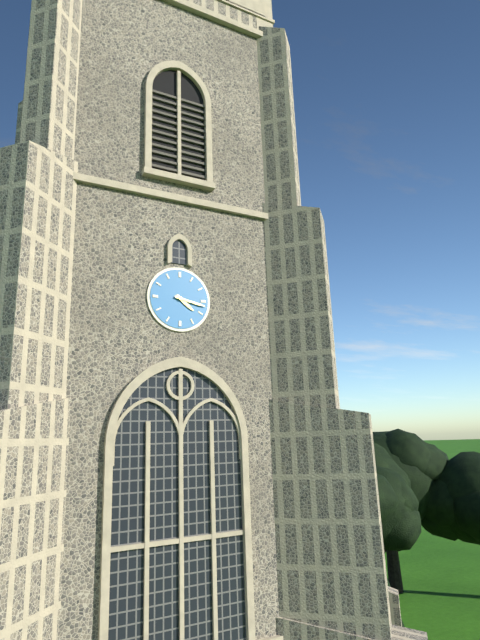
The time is **4:17**
